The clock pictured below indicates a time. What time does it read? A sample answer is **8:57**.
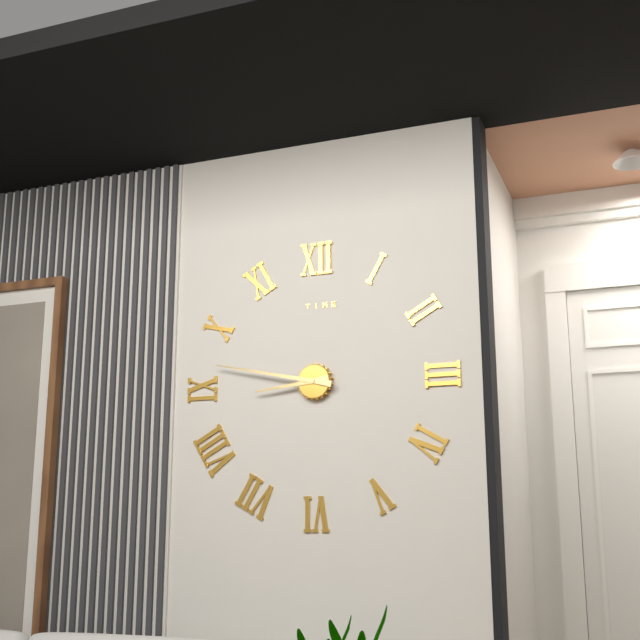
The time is **8:47**
